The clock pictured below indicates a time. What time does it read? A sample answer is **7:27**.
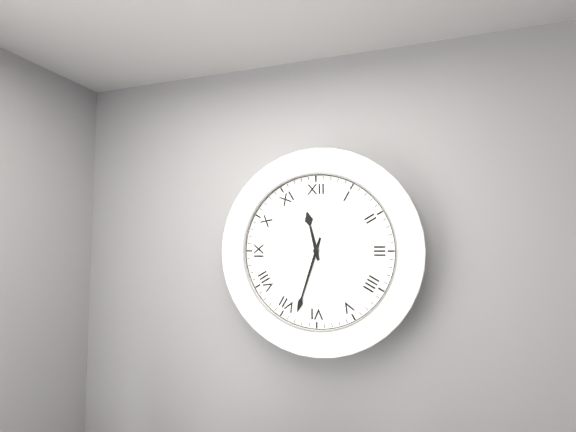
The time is **11:33**
